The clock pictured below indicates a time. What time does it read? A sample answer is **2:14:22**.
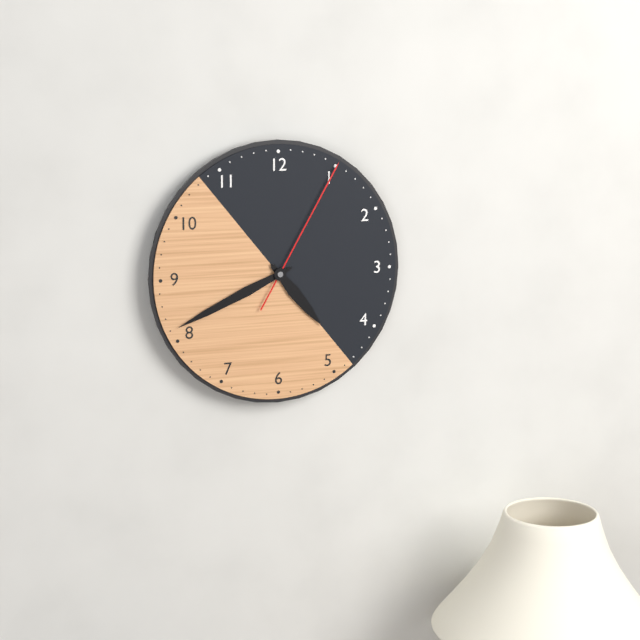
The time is **4:41:05**
